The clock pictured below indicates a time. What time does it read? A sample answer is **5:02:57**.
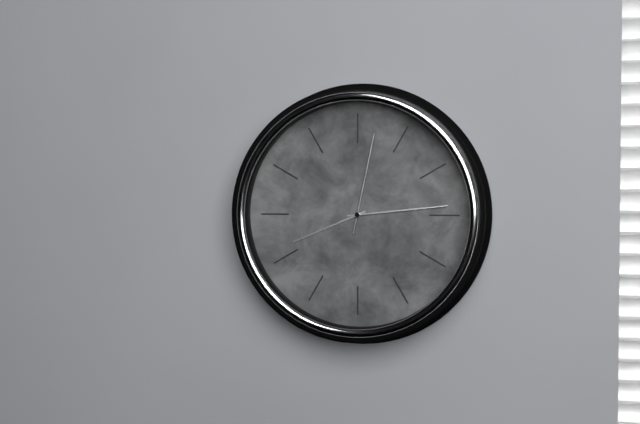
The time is **8:14:02**
